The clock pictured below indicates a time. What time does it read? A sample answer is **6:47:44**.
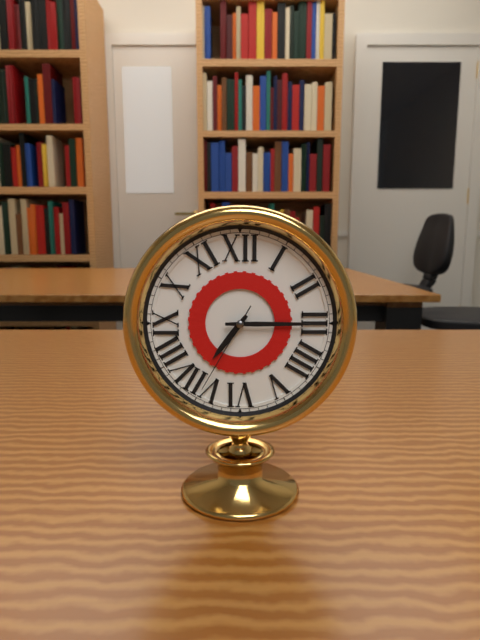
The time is **7:15:35**
